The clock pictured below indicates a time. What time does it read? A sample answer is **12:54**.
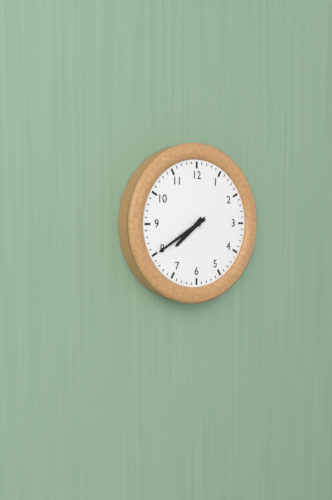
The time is **7:40**
